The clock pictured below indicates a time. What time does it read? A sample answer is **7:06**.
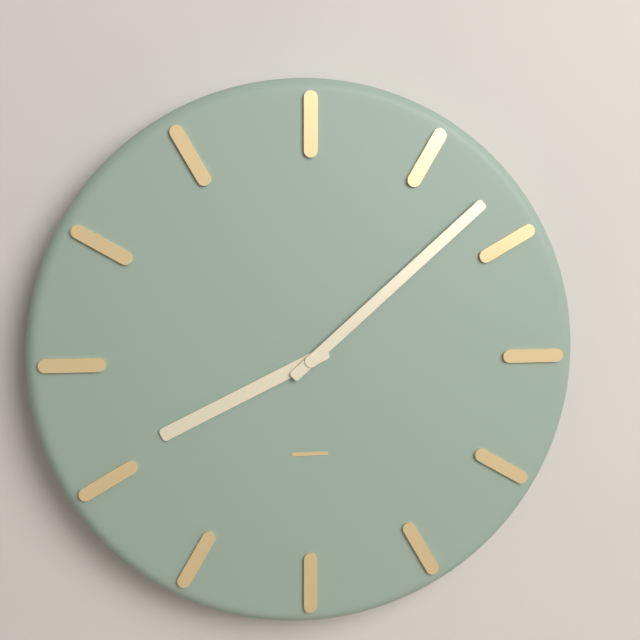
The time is **8:08**
